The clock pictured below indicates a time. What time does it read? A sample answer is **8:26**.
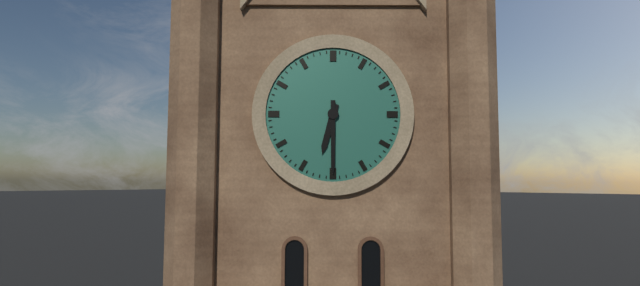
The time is **6:30**
